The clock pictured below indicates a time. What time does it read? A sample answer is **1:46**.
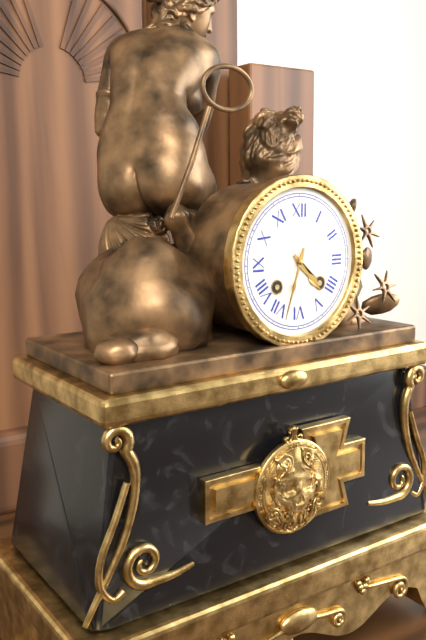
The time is **4:33**
